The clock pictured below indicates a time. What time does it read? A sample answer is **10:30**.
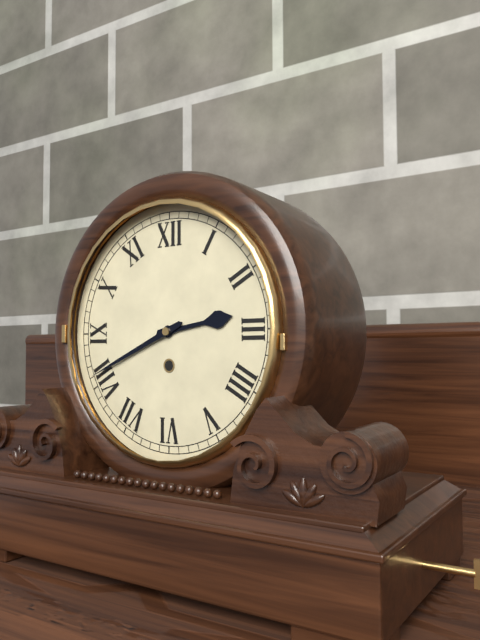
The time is **2:41**
